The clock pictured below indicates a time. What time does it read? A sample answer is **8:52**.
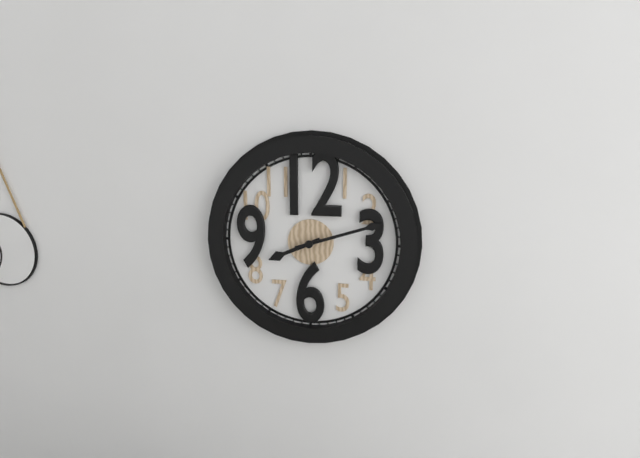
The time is **8:12**
